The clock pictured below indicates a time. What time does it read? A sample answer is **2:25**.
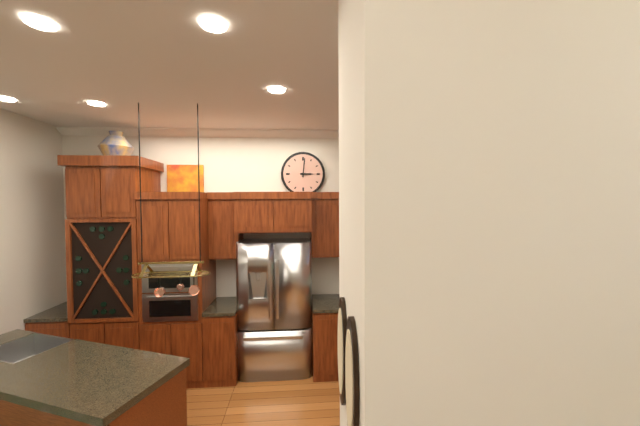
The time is **3:01**
